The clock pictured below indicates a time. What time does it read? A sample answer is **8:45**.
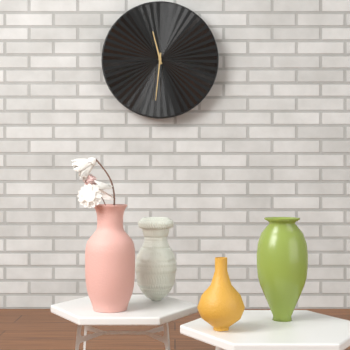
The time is **11:31**
